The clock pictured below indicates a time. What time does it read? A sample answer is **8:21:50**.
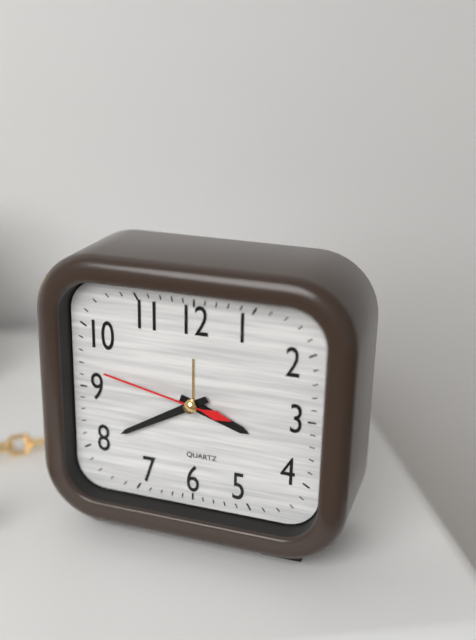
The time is **3:40:47**
